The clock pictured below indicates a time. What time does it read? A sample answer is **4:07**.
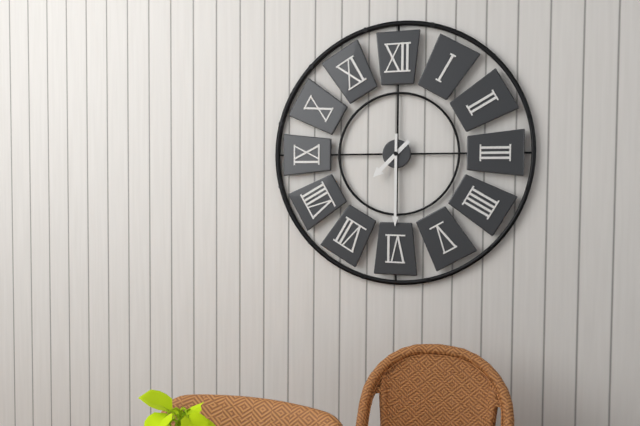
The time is **7:30**
